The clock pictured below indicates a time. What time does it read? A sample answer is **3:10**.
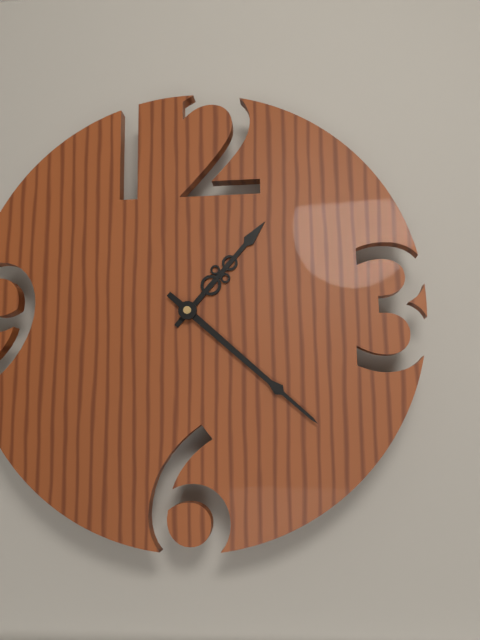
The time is **1:22**
